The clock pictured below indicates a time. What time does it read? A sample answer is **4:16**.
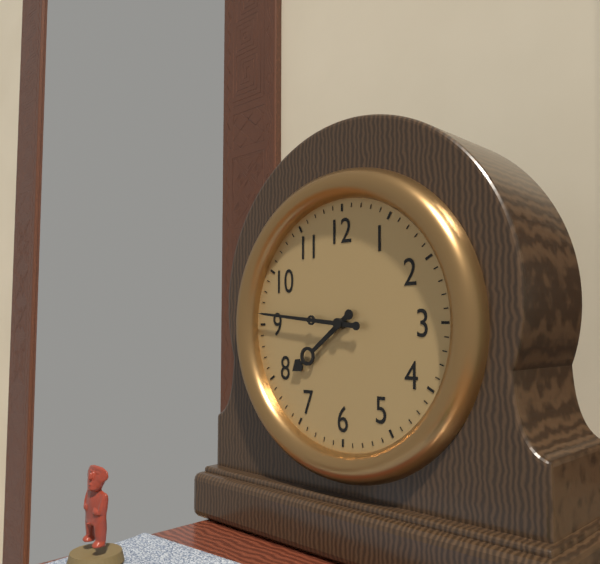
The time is **7:46**
